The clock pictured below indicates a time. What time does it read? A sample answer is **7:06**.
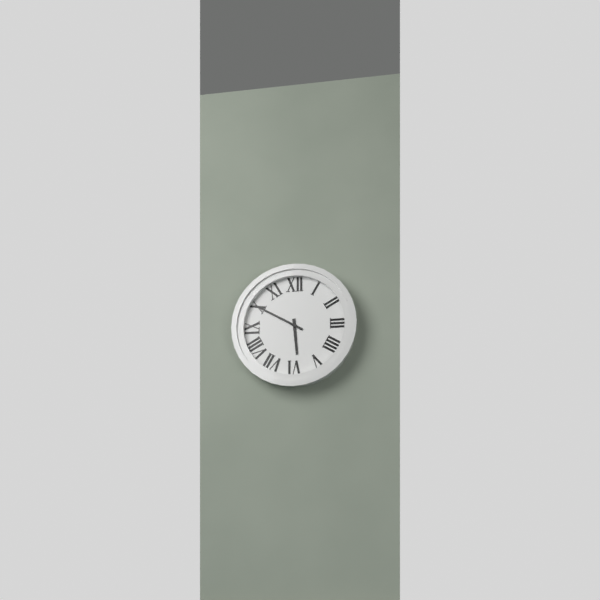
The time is **5:50**
